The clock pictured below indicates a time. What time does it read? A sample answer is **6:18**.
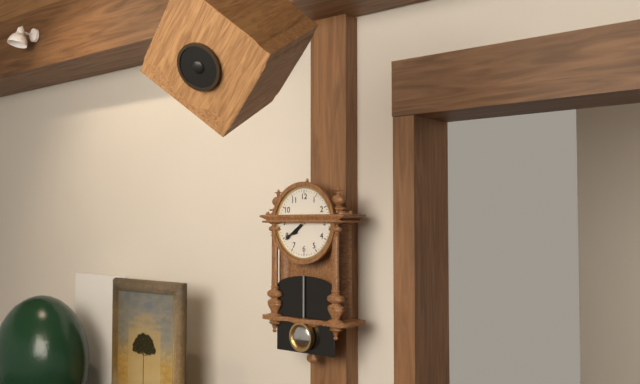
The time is **7:39**
